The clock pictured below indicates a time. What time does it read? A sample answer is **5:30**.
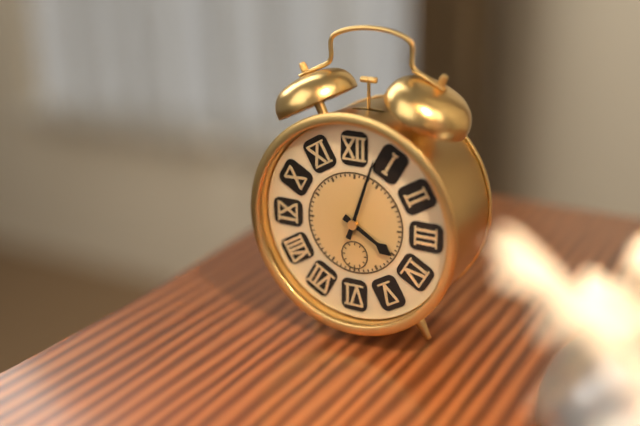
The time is **4:03**
